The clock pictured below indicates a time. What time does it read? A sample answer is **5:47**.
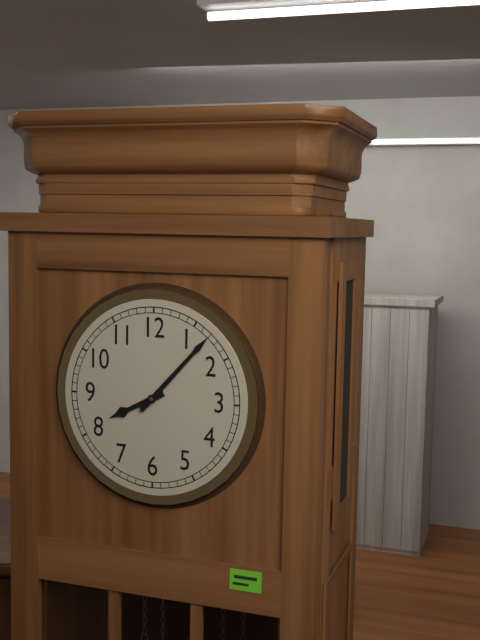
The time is **8:07**
